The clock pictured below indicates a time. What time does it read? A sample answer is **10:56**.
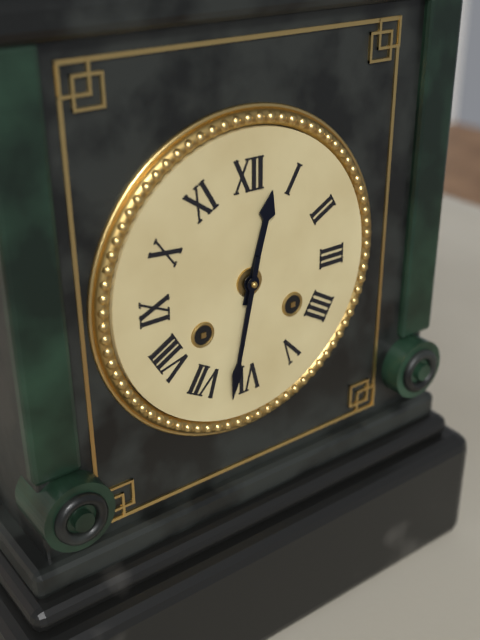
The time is **12:32**
